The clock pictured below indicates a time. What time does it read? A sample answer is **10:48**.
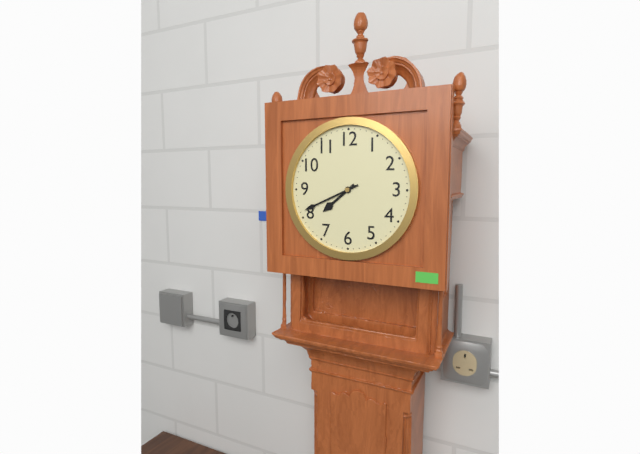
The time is **7:41**
